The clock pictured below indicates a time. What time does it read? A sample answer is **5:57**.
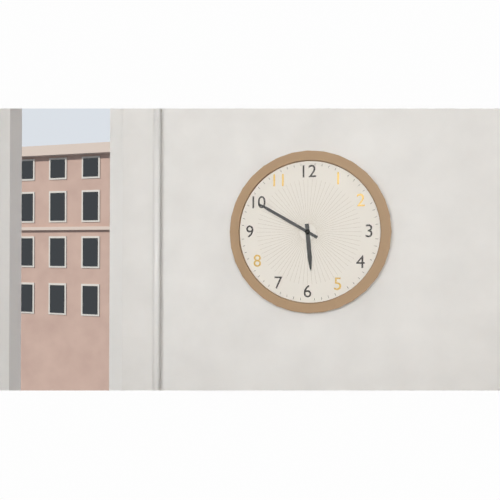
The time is **5:50**
